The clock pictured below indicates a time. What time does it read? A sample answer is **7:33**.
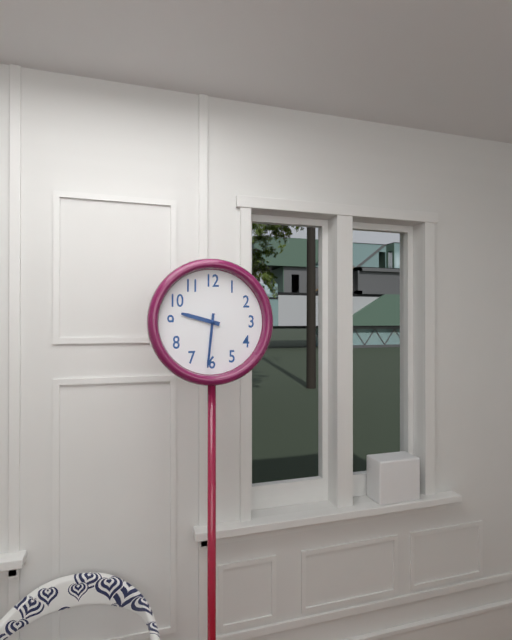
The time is **9:31**
